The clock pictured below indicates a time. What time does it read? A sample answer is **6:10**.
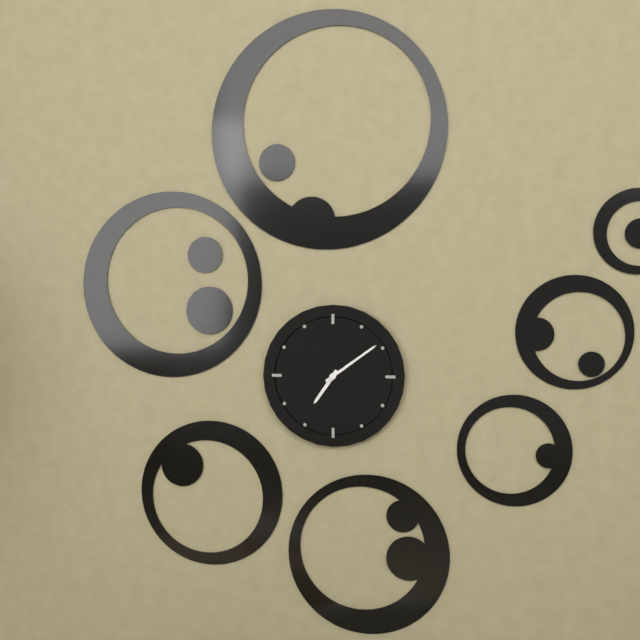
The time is **7:09**
